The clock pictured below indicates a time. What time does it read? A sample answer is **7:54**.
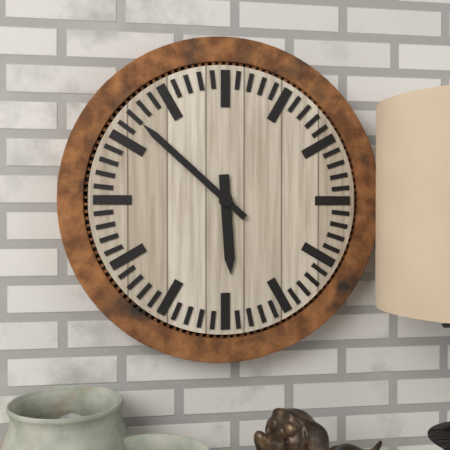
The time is **5:52**
